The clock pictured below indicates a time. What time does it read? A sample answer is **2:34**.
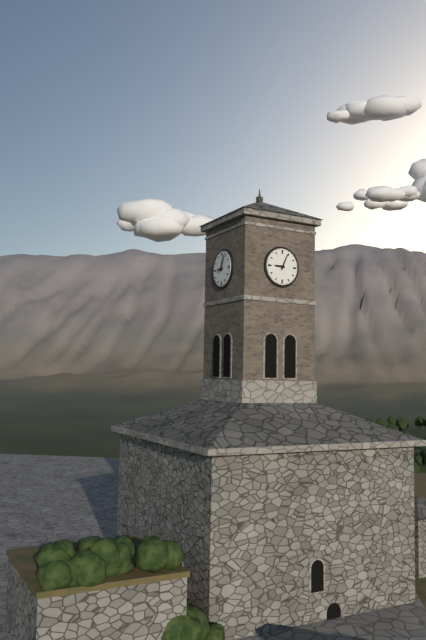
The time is **9:04**
